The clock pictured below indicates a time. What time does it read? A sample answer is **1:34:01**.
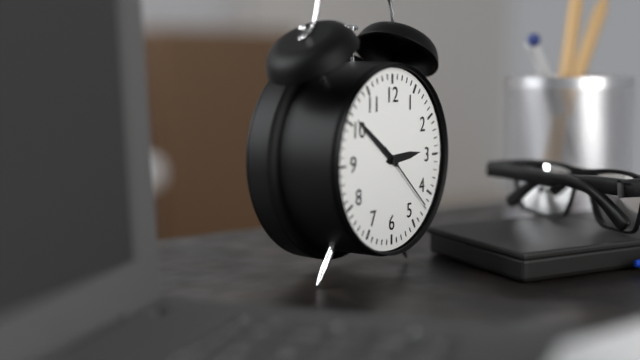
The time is **2:51:22**
